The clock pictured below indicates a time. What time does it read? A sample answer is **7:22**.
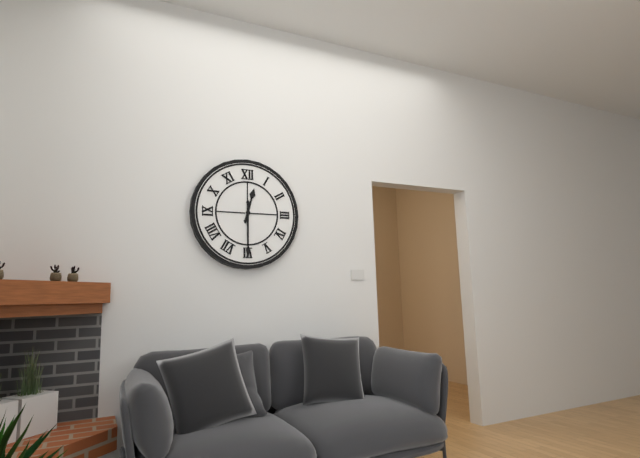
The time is **12:30**
